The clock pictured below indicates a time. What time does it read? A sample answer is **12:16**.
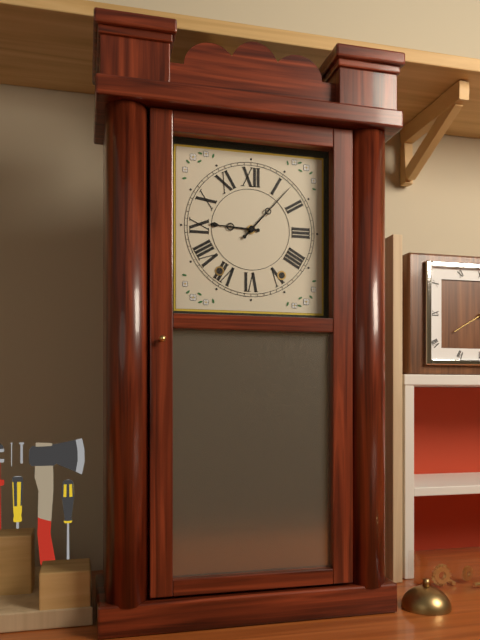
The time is **9:07**
